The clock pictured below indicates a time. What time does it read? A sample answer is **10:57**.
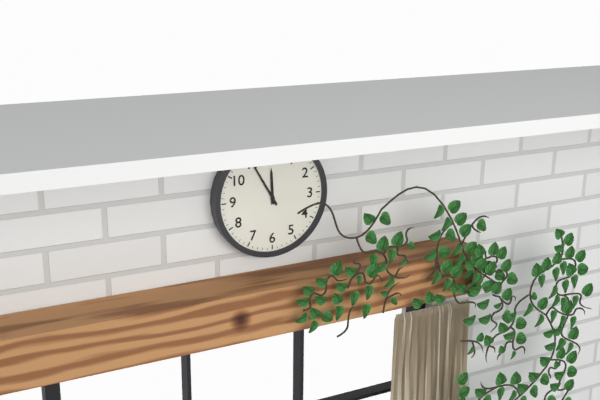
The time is **11:55**
